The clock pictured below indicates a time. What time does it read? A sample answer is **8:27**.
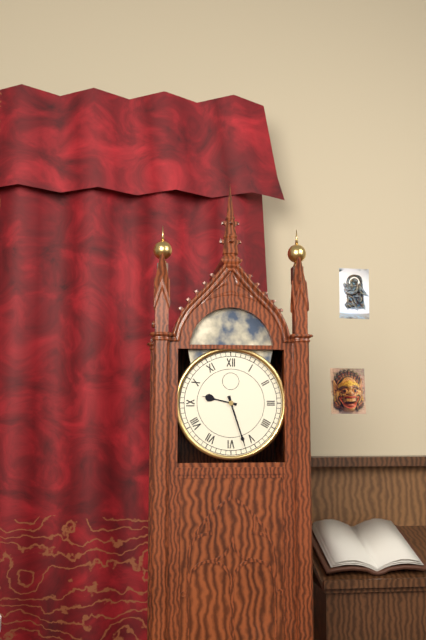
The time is **9:27**
